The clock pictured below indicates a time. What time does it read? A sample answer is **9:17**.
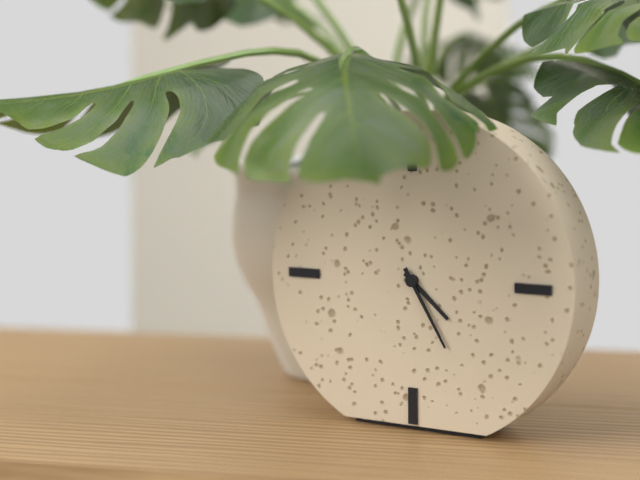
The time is **4:25**
